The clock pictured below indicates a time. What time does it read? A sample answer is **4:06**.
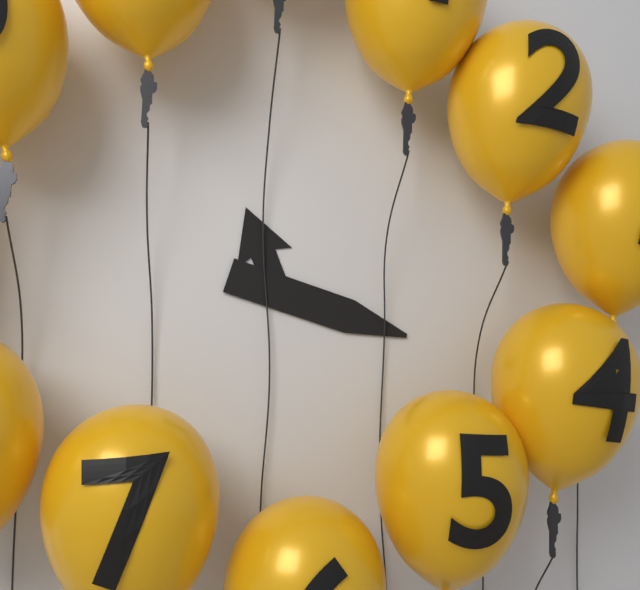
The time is **11:18**
